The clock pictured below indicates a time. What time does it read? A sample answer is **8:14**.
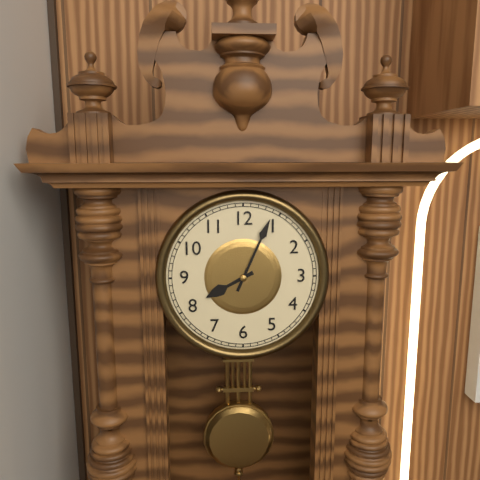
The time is **8:04**
